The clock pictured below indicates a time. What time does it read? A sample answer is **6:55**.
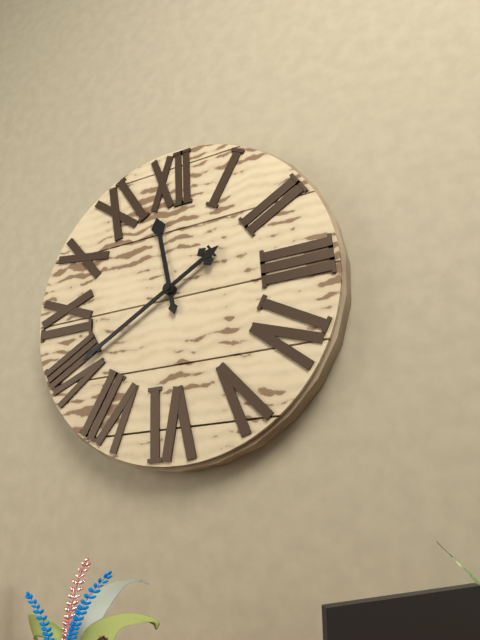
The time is **11:40**
